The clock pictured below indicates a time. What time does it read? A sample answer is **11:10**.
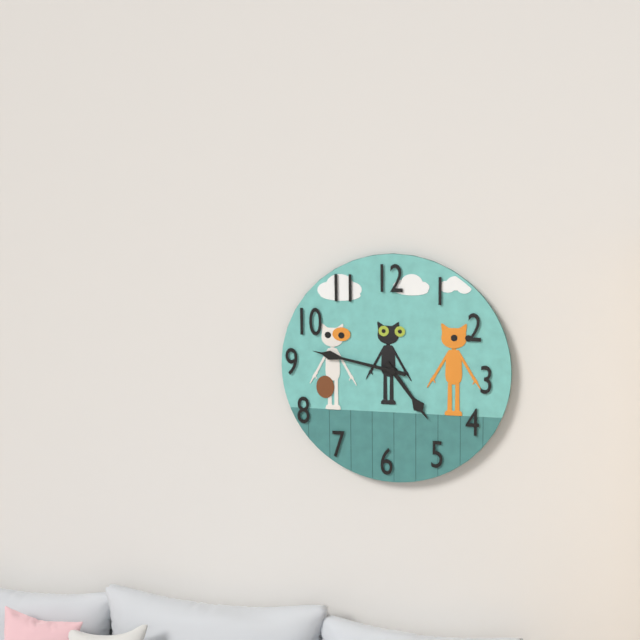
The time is **4:47**
